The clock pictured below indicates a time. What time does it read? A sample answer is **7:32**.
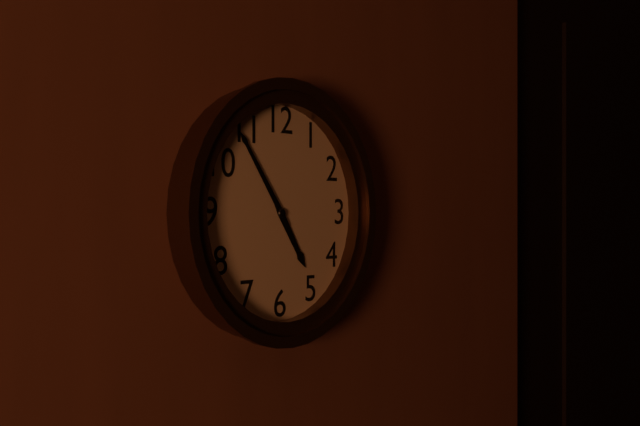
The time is **4:54**
